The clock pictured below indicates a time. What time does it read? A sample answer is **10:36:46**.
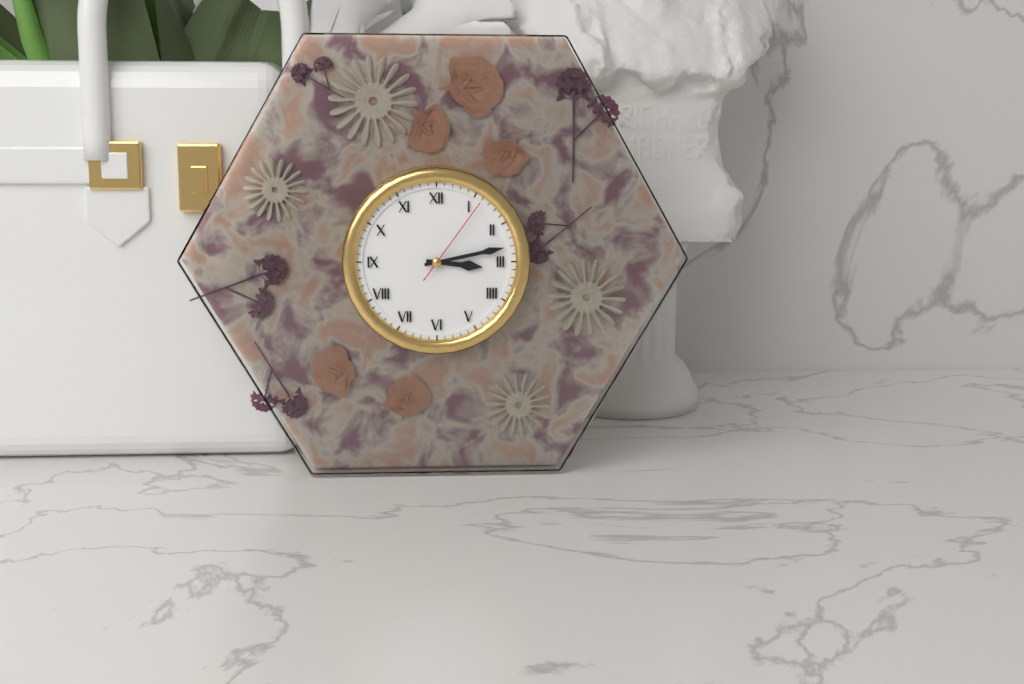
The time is **3:13:06**
